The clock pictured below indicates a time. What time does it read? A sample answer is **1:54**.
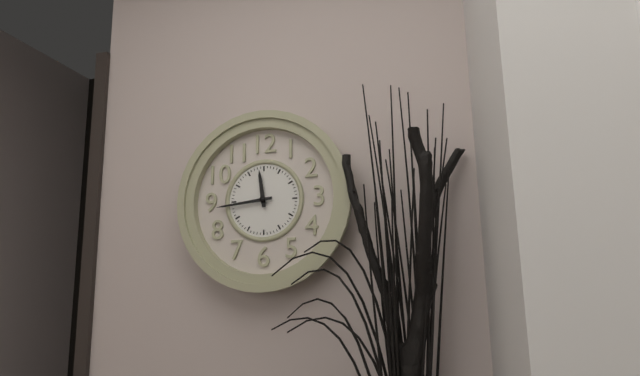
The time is **11:44**
